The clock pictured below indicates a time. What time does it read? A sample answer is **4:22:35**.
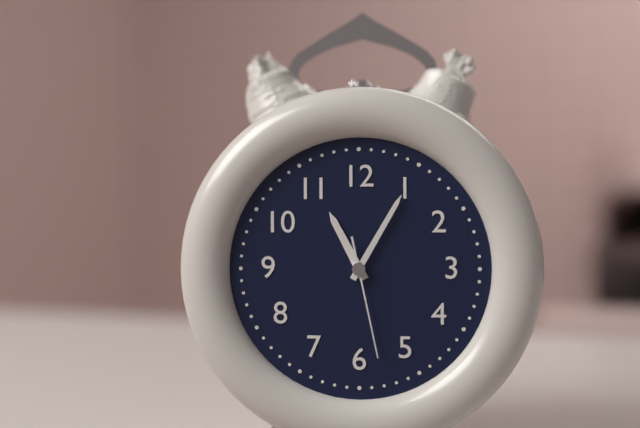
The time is **11:05:28**
